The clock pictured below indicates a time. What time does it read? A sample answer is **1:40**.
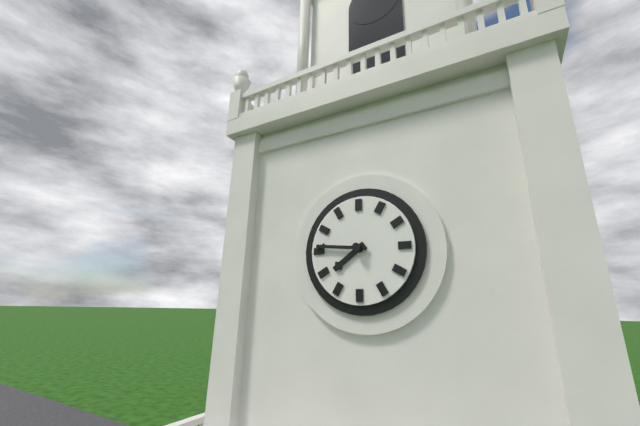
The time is **7:46**
